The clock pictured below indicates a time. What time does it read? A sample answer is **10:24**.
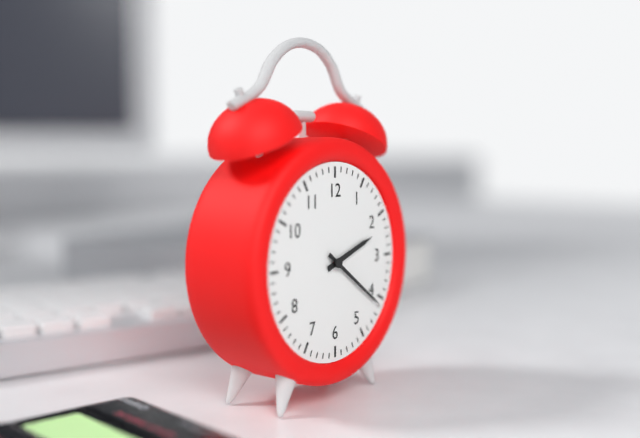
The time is **2:21**
